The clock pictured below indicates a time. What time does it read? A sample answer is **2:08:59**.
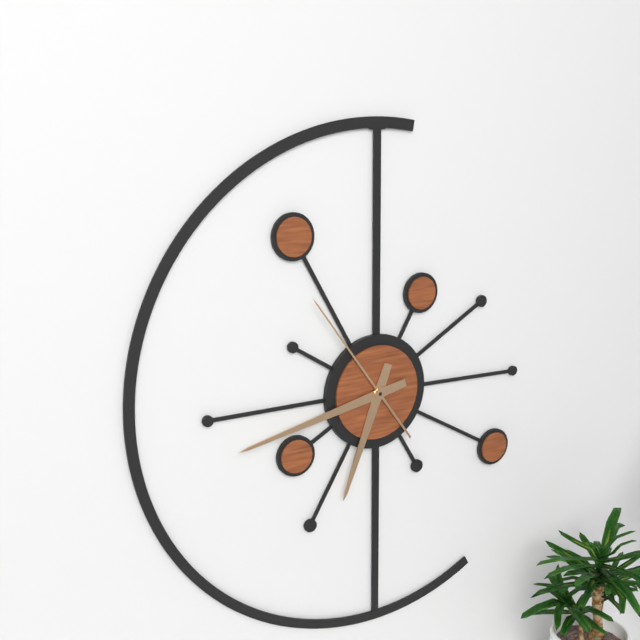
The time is **6:43:54**
